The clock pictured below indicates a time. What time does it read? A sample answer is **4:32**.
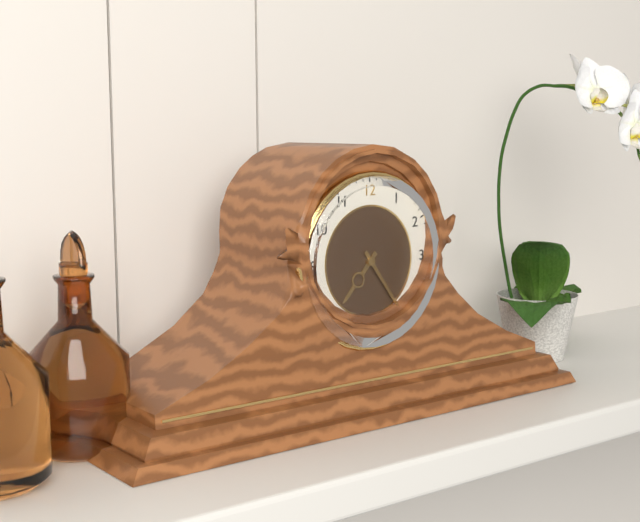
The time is **7:24**
